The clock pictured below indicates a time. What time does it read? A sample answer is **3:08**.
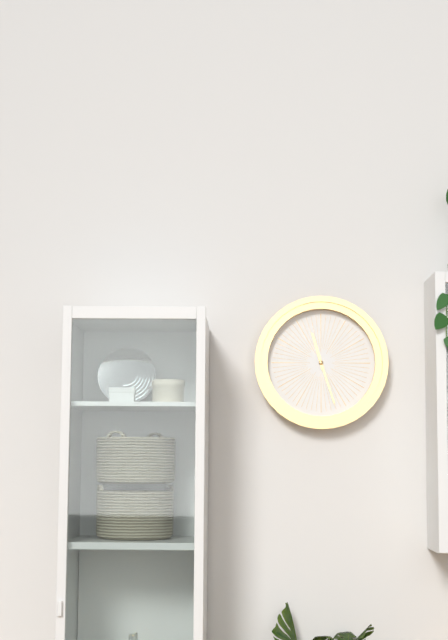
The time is **11:27**
